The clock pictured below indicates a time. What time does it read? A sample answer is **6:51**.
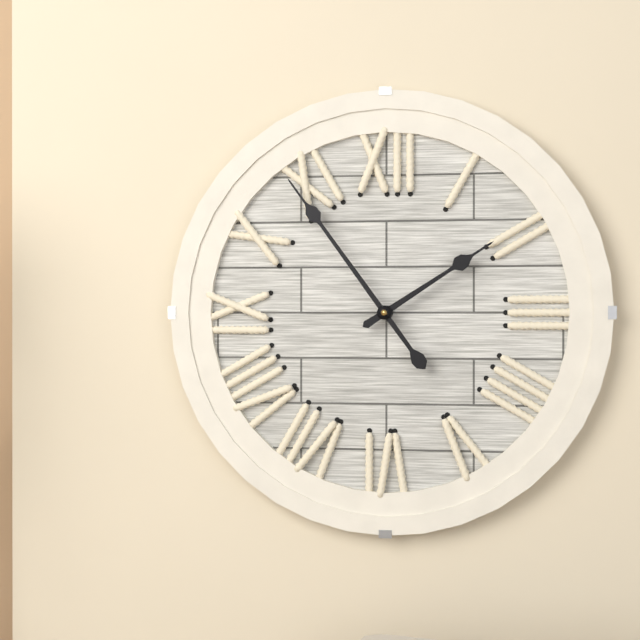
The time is **1:54**
